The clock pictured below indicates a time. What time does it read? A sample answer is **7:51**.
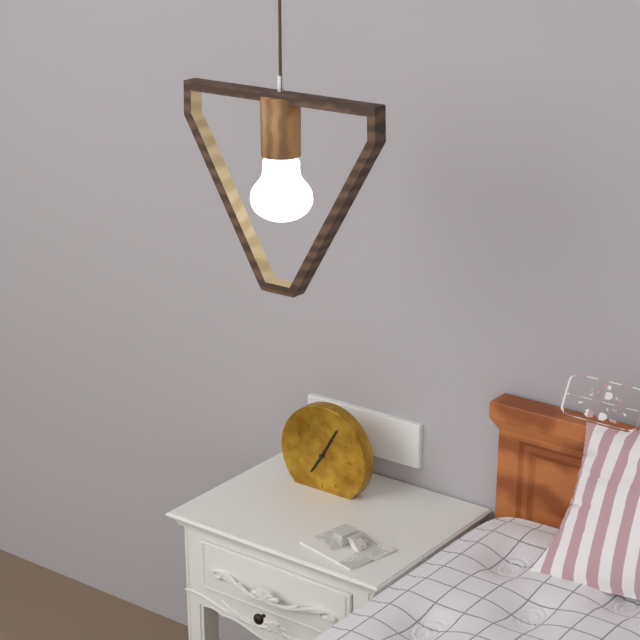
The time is **7:05**
